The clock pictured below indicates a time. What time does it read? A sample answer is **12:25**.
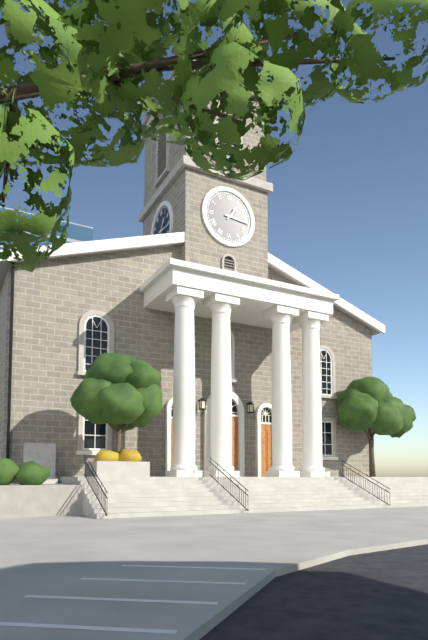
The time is **1:16**
